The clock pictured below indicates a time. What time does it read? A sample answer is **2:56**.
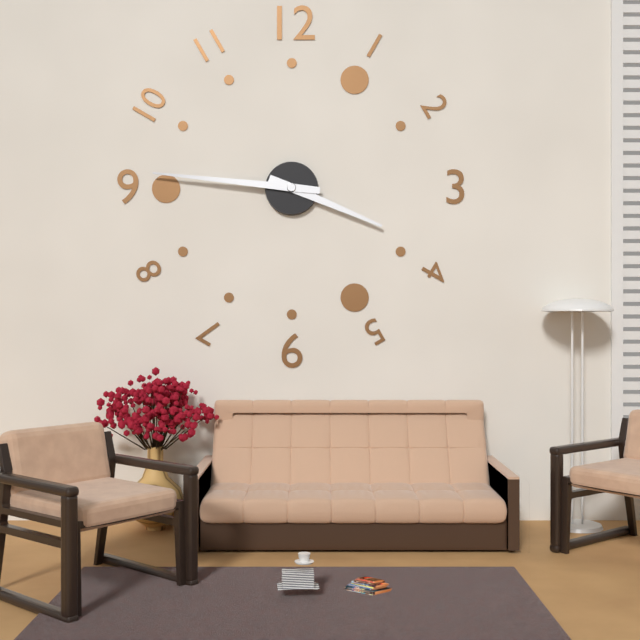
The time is **3:46**
